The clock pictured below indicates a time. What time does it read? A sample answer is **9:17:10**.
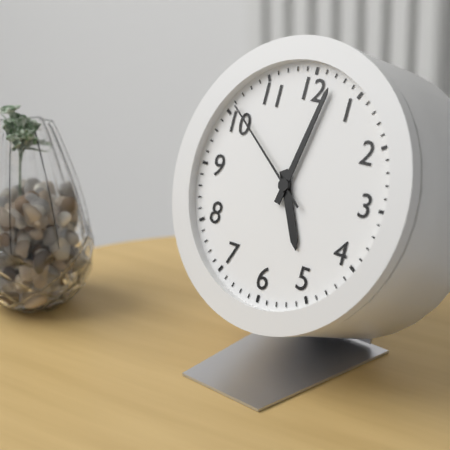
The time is **5:02:51**
